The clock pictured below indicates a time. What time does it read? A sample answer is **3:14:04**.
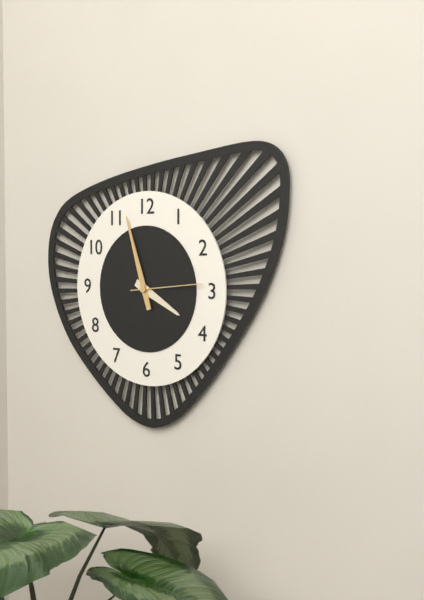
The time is **3:57:14**
